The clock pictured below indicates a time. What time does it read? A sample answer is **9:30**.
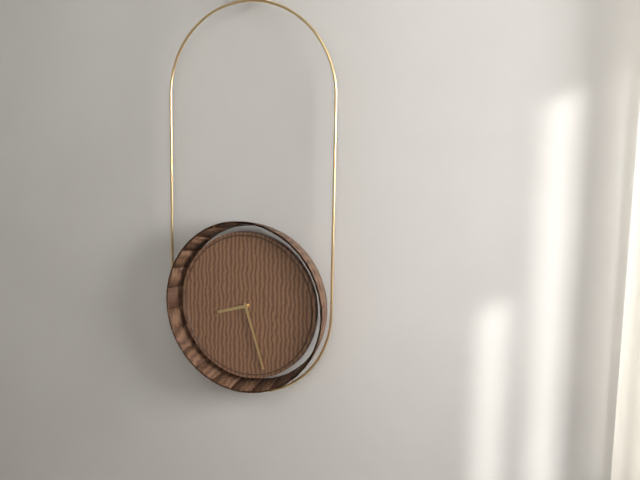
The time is **8:27**
